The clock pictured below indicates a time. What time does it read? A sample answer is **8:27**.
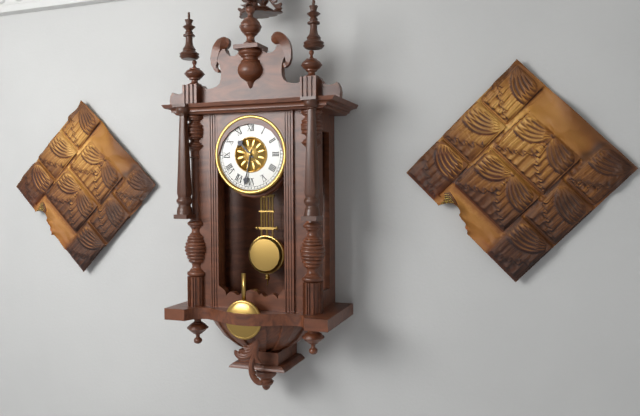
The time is **10:32**
